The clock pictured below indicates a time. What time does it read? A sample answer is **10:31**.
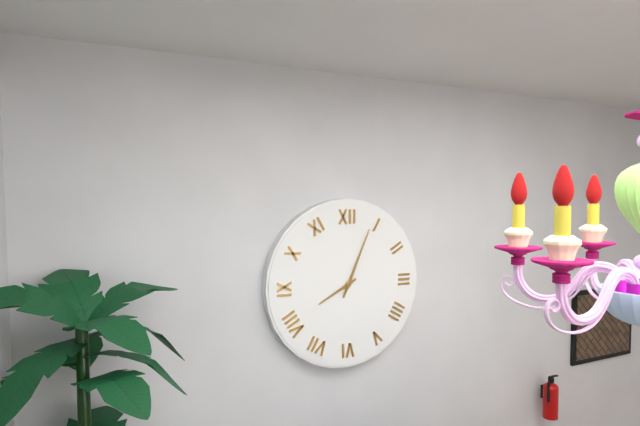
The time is **8:04**
